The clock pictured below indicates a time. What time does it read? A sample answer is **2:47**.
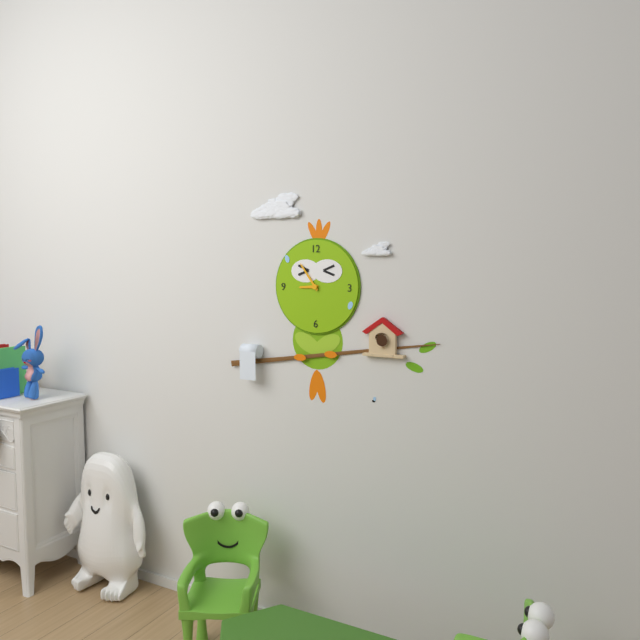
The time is **8:54**
